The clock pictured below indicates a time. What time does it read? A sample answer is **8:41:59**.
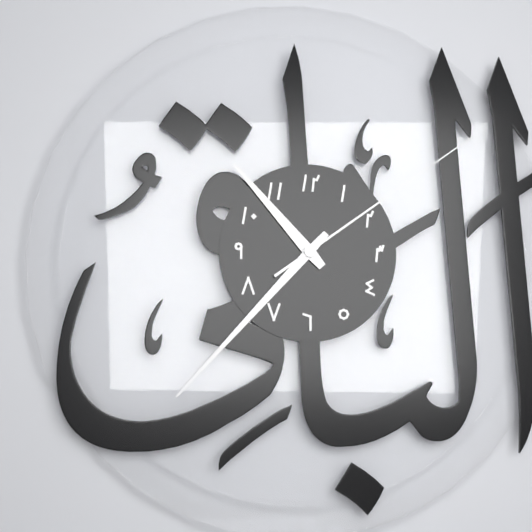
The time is **10:37:09**
